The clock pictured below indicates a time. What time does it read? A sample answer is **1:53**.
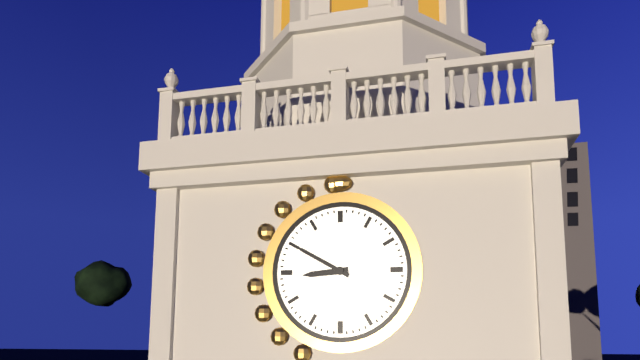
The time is **8:50**
